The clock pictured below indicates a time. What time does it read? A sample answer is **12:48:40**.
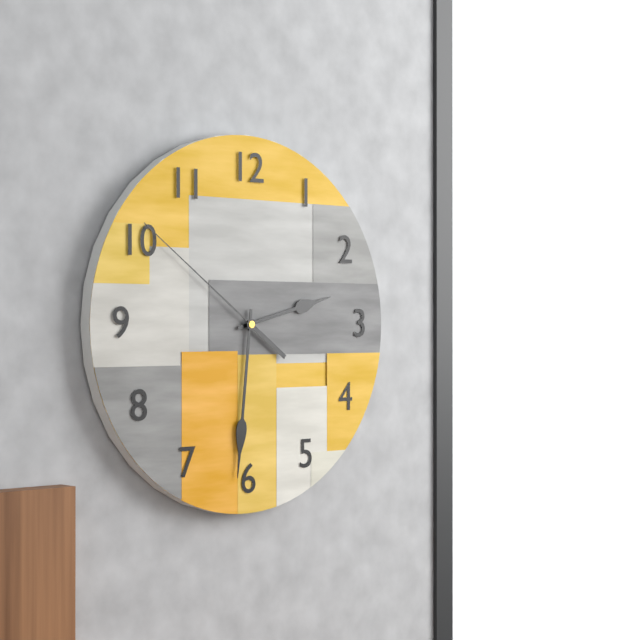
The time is **2:31:51**
